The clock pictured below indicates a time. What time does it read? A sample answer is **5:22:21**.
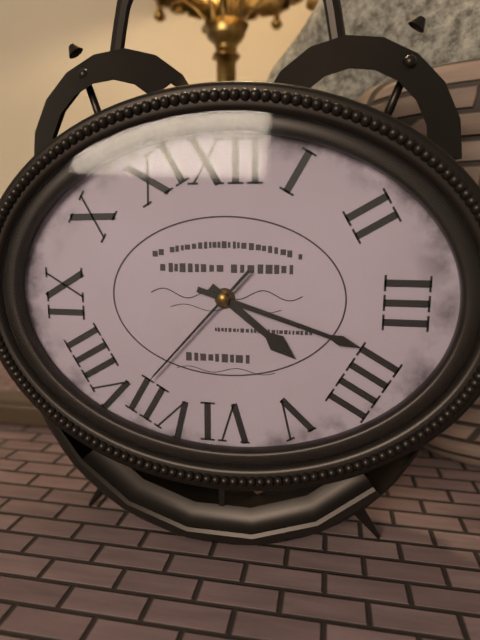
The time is **4:18:37**
